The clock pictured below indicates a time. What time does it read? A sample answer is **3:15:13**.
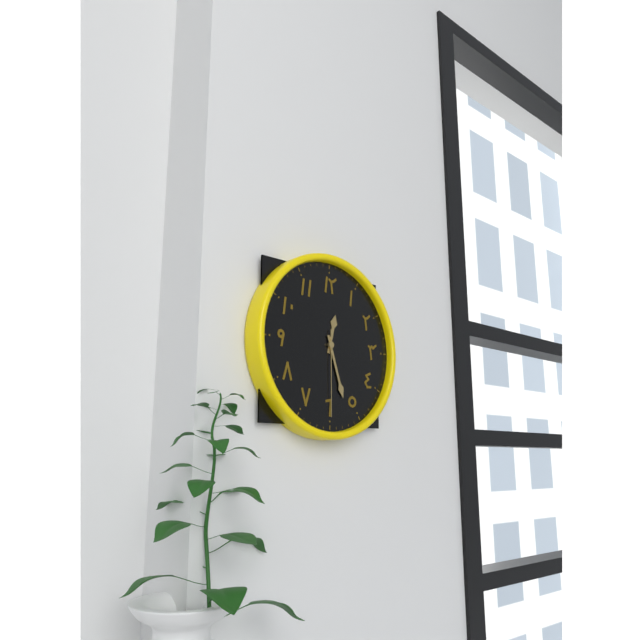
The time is **12:27:30**
